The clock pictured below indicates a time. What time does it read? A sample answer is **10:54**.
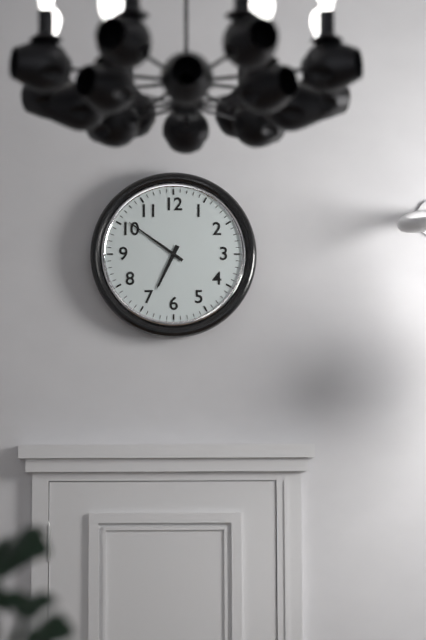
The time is **6:51**
